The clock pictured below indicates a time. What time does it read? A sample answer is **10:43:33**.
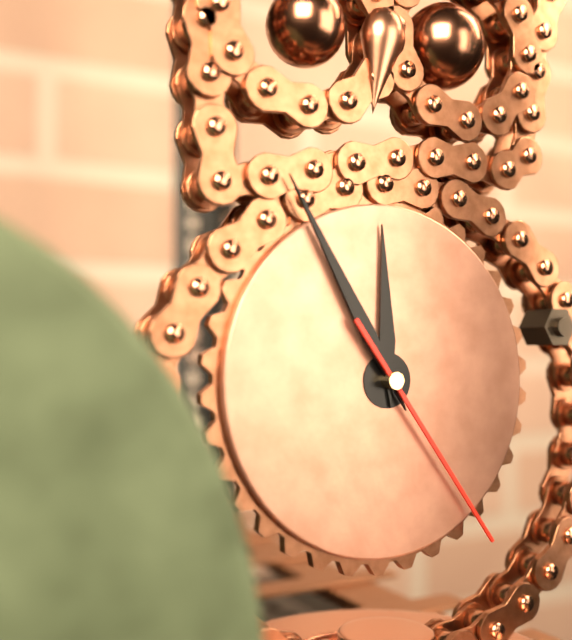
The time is **11:55:24**
